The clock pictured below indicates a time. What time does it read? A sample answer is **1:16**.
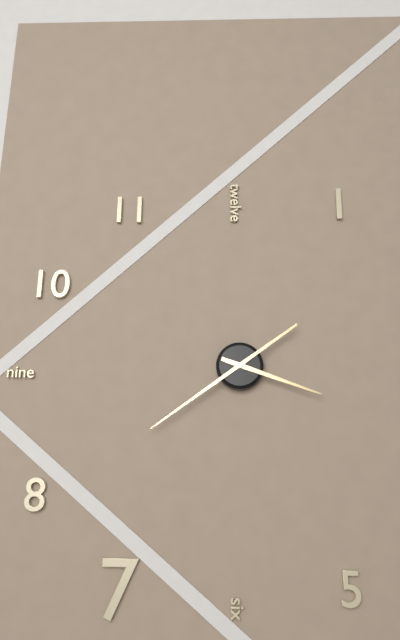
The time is **3:39**
